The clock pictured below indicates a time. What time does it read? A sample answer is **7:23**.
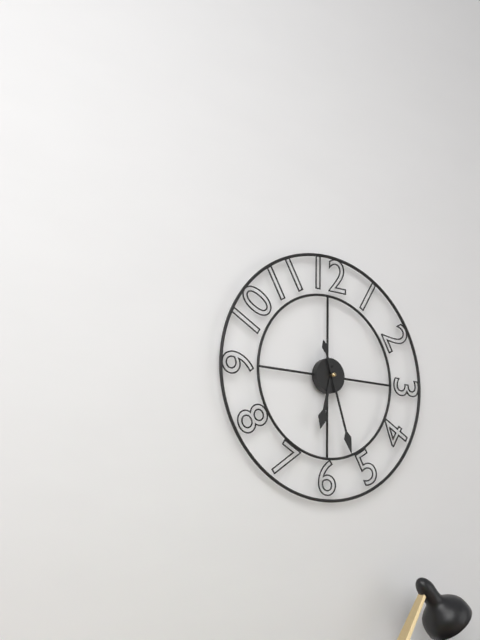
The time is **6:27**
